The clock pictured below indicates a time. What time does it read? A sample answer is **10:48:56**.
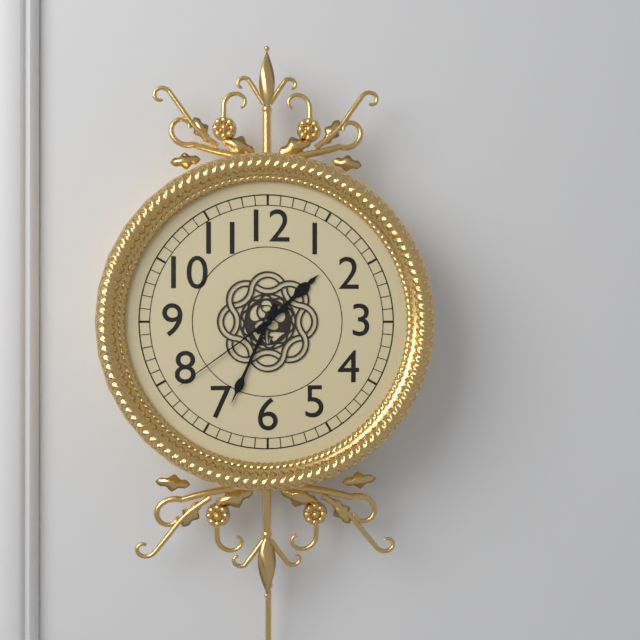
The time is **1:34:39**
